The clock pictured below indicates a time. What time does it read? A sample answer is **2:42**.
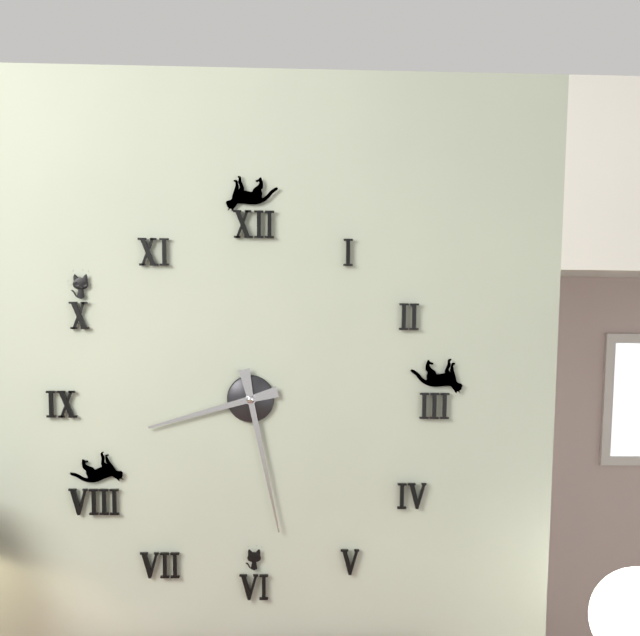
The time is **8:28**
